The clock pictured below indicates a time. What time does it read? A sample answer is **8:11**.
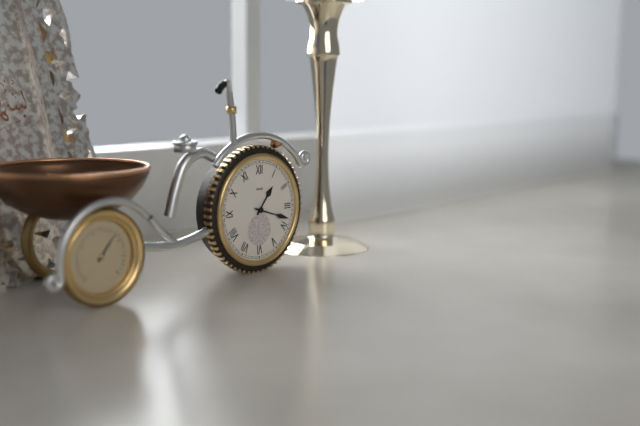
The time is **1:18**
